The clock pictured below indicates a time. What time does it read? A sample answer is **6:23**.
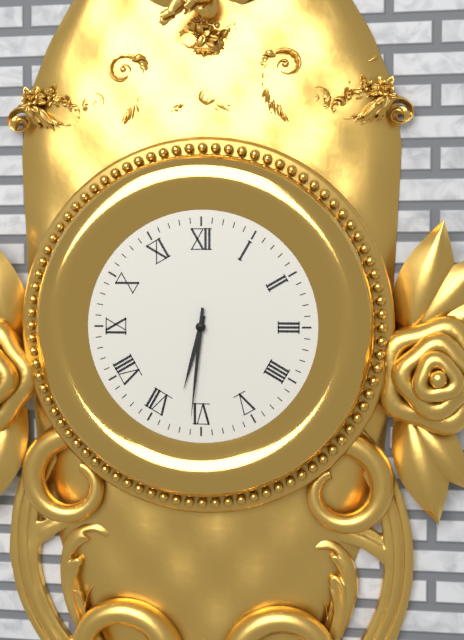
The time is **6:31**
